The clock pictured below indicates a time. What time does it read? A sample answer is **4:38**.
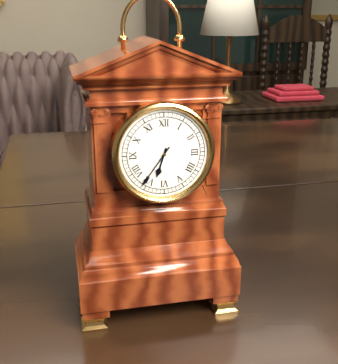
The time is **6:36**
